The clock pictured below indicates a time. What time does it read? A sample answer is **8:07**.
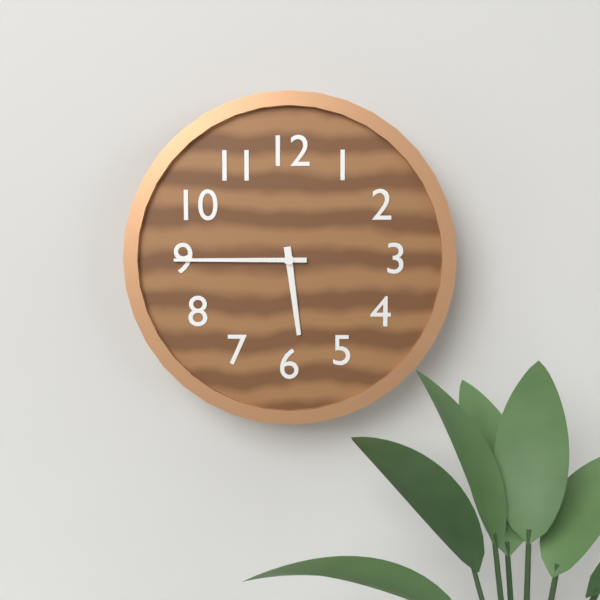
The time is **5:45**
